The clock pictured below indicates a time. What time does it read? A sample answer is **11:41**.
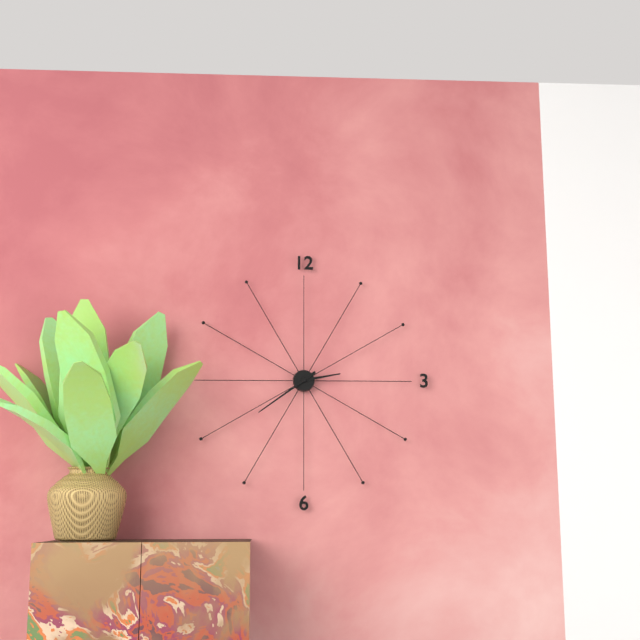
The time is **2:39**
